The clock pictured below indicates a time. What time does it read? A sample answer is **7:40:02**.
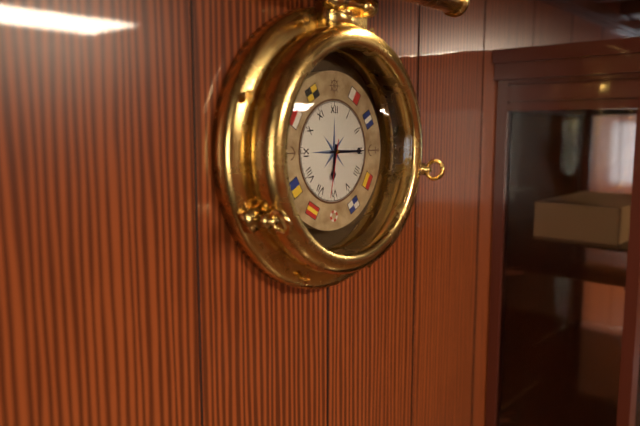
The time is **6:15:32**
